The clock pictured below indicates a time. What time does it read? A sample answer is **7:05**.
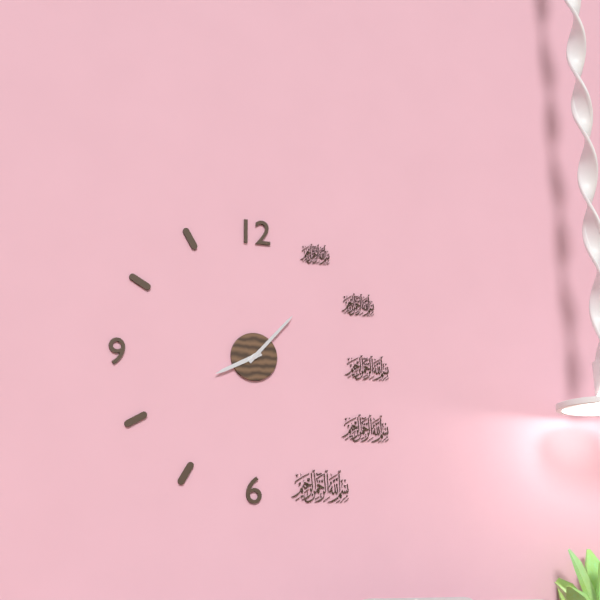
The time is **8:07**
